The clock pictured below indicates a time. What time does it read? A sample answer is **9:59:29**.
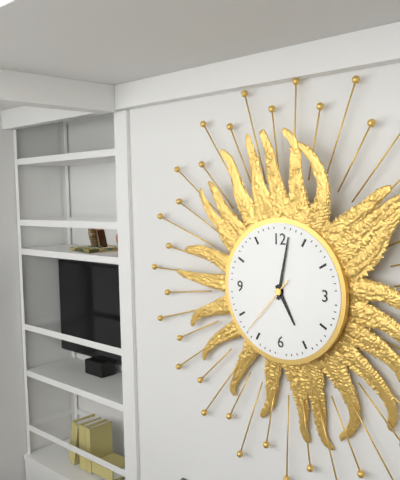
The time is **5:02:37**
